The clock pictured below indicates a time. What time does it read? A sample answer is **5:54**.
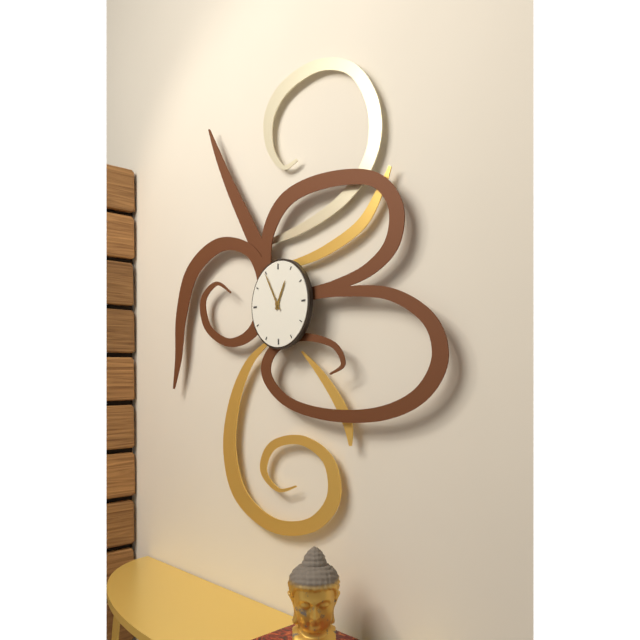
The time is **12:55**
